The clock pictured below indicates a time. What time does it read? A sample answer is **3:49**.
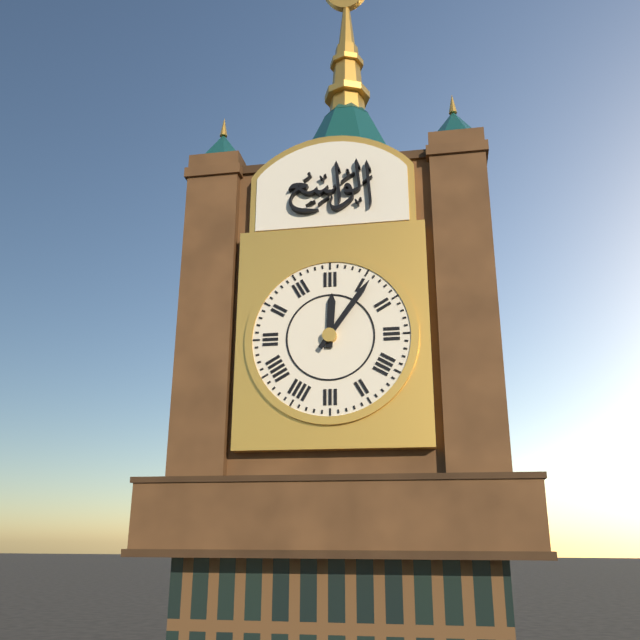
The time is **12:06**
